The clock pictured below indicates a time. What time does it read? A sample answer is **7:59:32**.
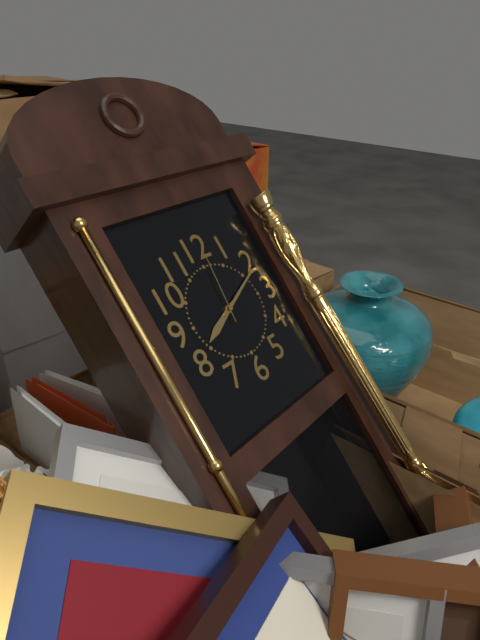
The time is **8:11:01**
